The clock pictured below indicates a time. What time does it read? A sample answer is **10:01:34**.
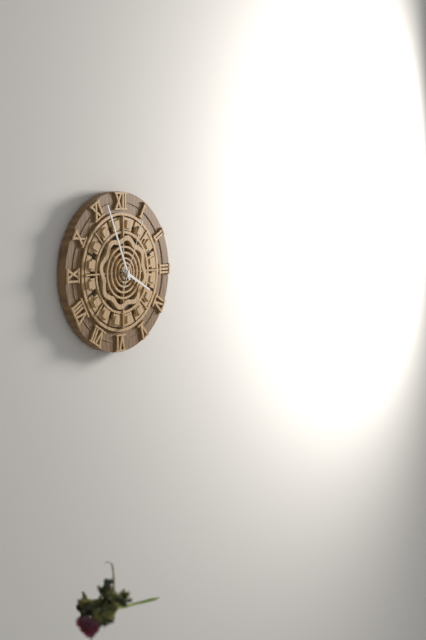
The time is **3:56:04**
